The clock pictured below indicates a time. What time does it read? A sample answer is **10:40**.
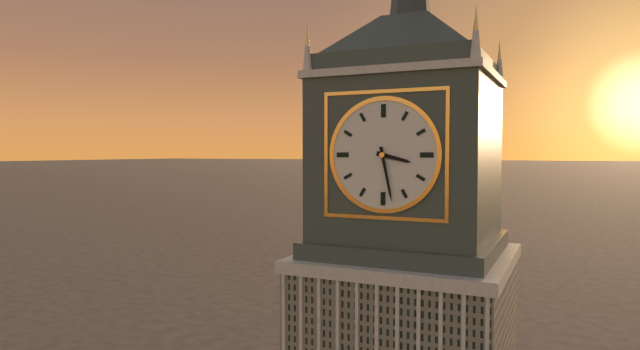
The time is **3:28**
